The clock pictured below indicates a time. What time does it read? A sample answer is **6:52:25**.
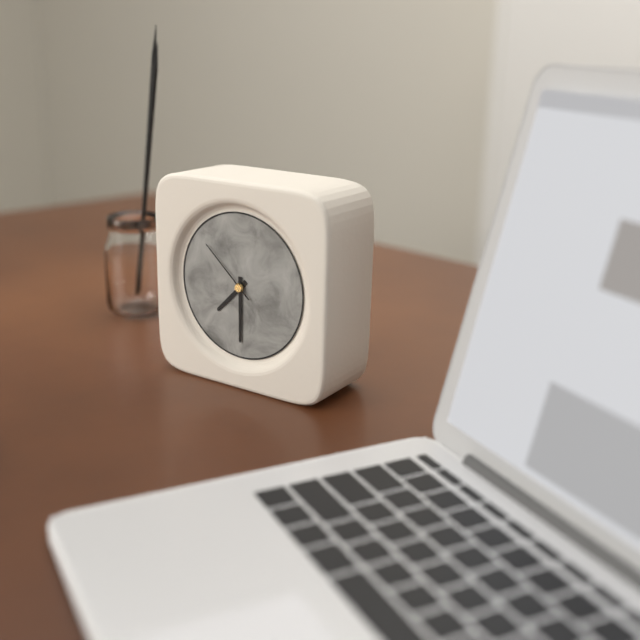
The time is **7:30:52**
